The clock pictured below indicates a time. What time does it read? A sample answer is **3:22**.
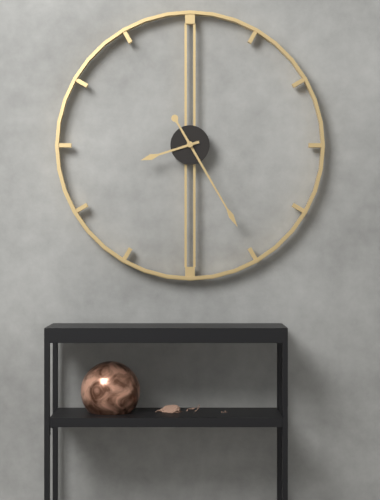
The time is **8:25**
